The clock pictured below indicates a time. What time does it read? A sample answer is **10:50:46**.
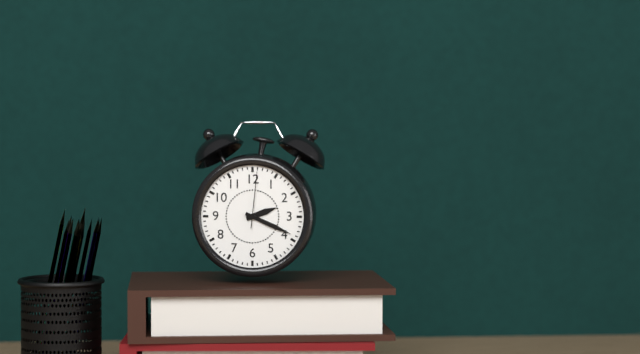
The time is **2:19:01**
